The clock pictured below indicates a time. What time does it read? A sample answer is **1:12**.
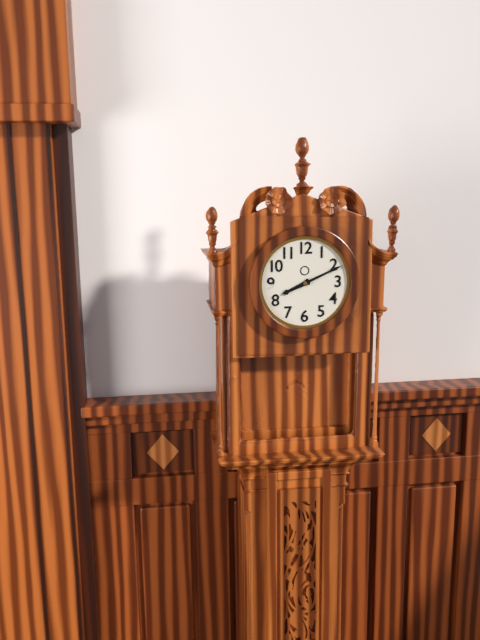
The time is **8:11**
